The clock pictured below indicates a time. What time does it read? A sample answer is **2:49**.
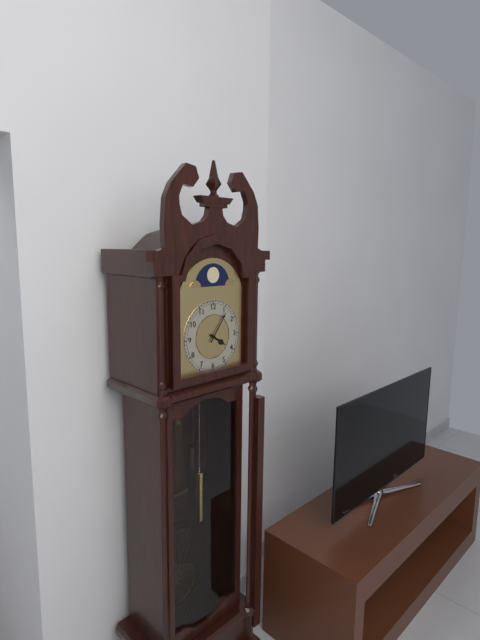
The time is **4:06**
